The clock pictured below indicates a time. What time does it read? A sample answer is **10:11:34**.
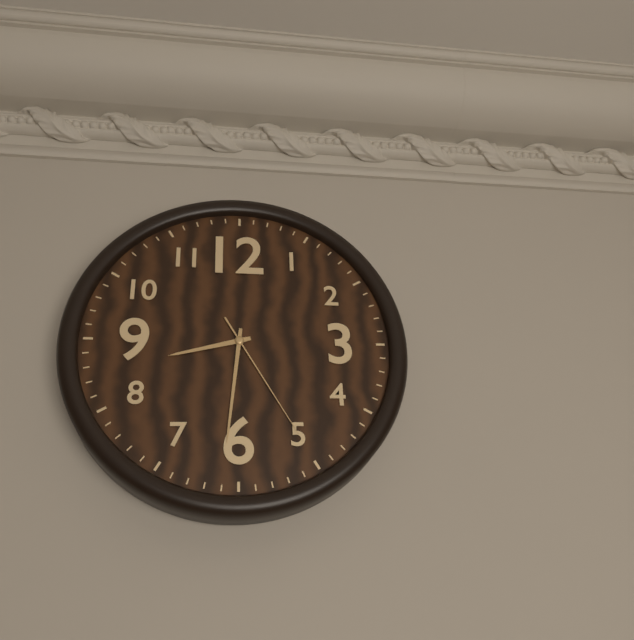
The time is **8:31:25**
